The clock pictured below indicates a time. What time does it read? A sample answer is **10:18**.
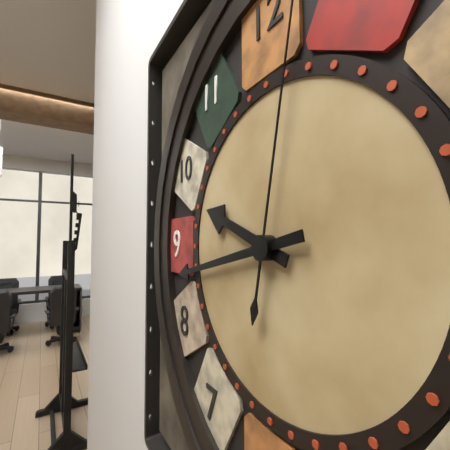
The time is **9:43**
